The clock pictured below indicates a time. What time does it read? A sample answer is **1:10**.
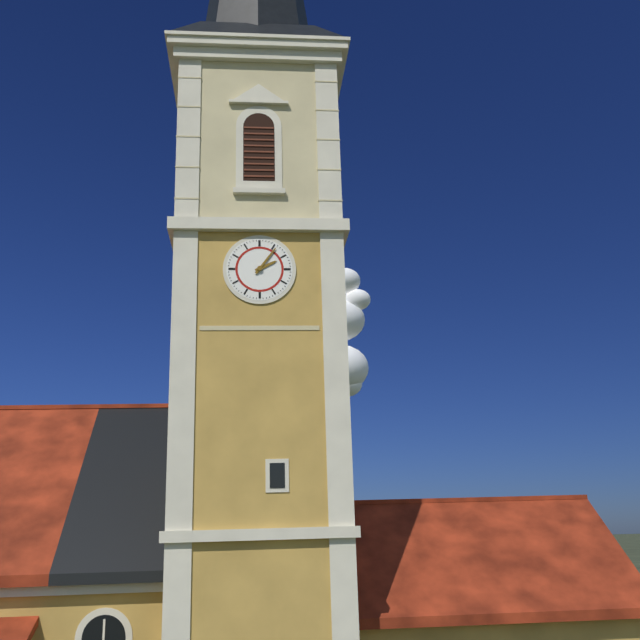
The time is **2:06**
